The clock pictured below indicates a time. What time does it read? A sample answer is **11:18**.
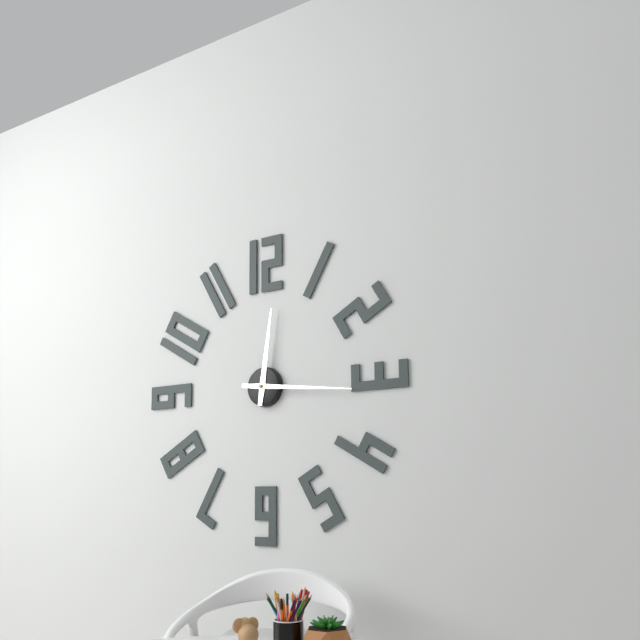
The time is **12:16**
